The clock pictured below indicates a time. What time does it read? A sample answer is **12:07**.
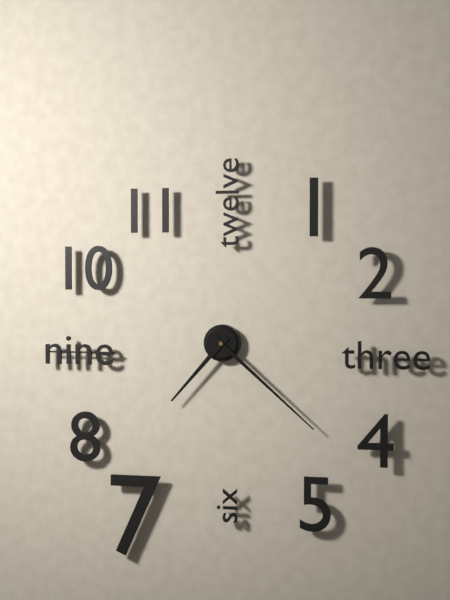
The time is **7:22**
